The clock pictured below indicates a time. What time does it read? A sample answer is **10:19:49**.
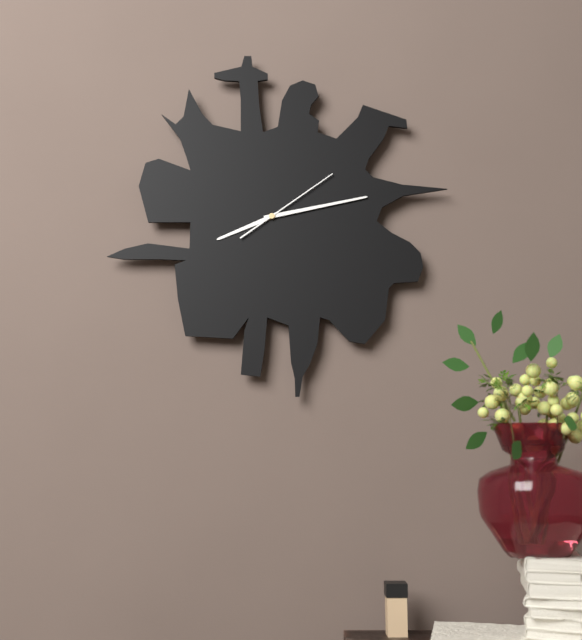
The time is **8:13:09**
